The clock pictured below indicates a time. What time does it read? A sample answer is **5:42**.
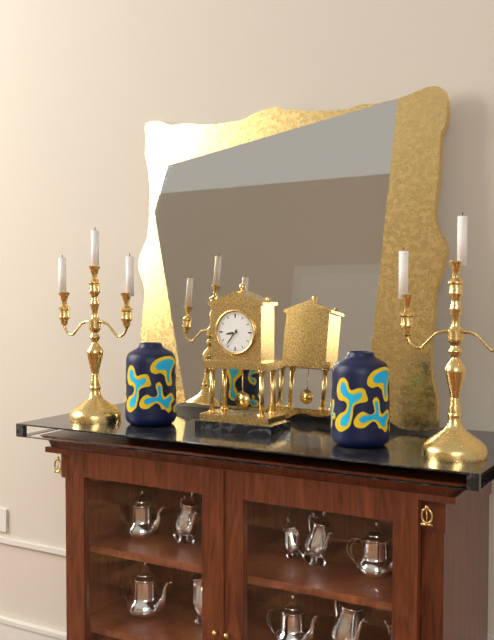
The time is **8:36**
